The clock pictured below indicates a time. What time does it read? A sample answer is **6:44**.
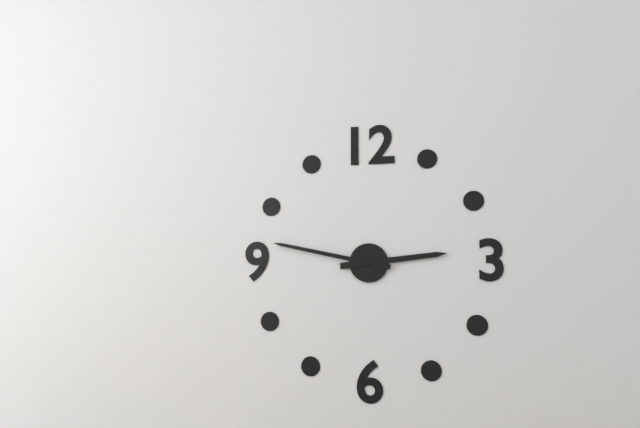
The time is **2:47**
